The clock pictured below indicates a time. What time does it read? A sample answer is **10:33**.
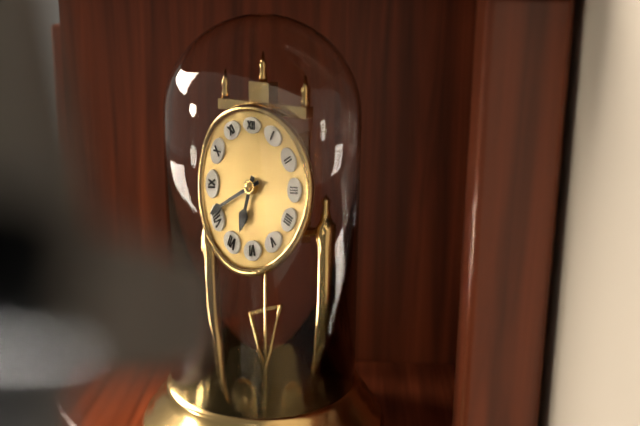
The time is **6:41**
